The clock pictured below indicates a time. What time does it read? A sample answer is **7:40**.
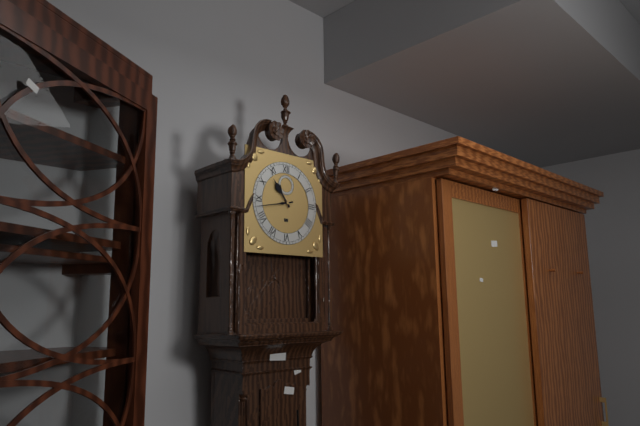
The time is **10:43**
